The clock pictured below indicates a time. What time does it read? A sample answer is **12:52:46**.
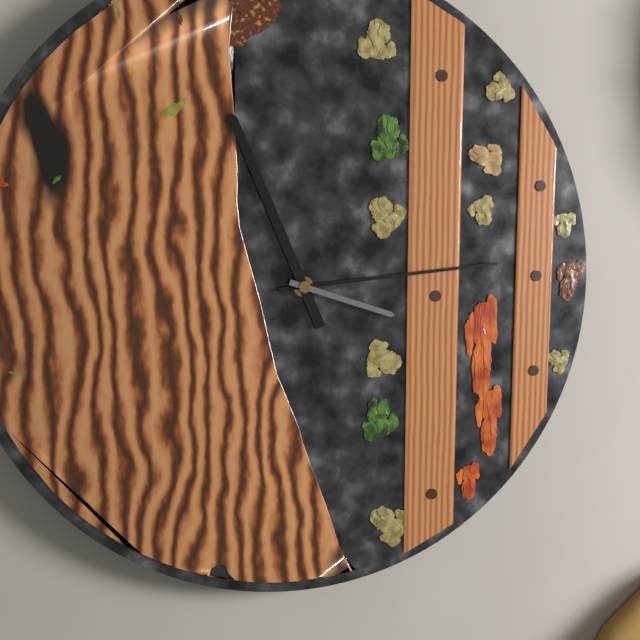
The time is **11:14:18**
